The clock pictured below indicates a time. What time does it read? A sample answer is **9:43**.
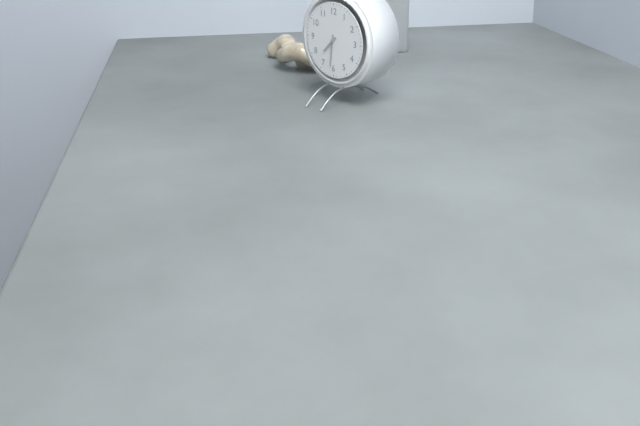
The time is **7:31**
